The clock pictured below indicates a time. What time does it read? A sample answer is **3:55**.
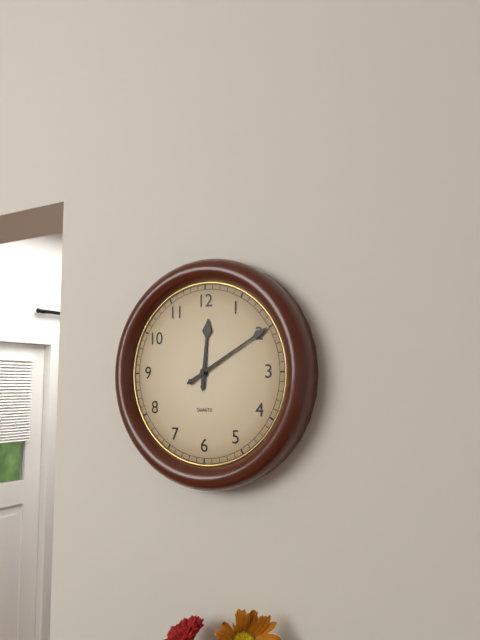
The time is **12:10**
